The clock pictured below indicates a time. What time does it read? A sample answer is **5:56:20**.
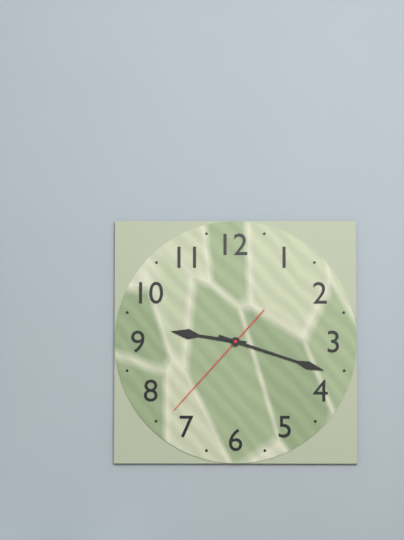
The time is **9:18:37**
